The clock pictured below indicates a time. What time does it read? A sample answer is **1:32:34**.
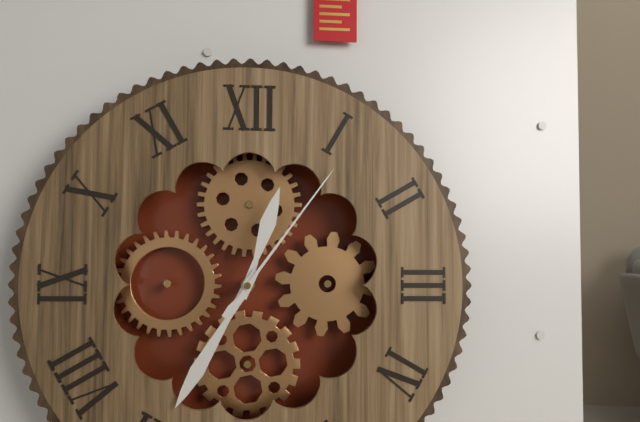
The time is **12:35:06**
